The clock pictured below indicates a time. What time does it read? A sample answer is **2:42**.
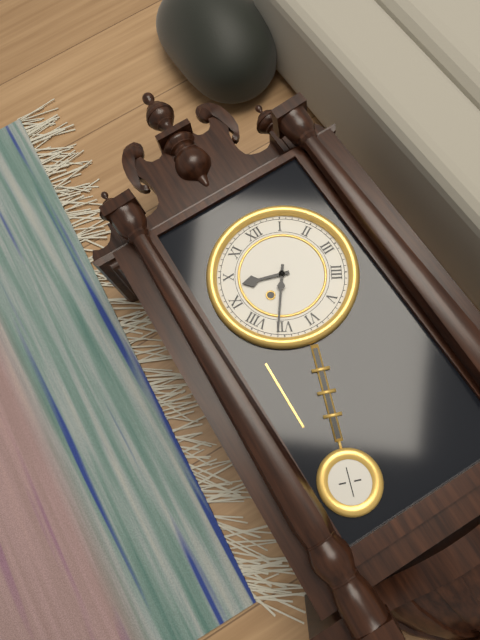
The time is **9:36**
